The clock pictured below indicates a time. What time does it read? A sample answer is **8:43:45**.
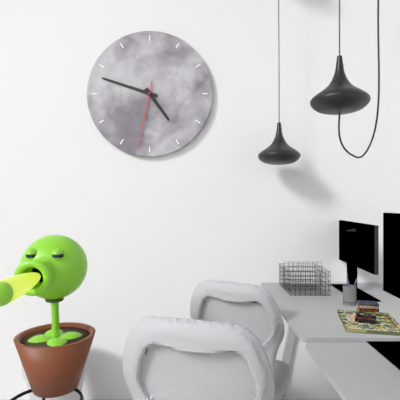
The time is **4:48:32**
